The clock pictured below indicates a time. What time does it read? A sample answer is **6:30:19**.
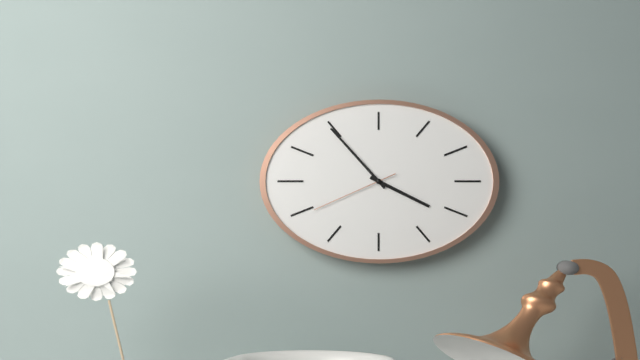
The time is **3:53:41**
